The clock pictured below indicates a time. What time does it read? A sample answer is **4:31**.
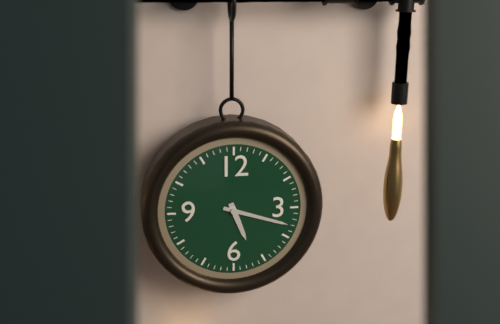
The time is **5:18**
